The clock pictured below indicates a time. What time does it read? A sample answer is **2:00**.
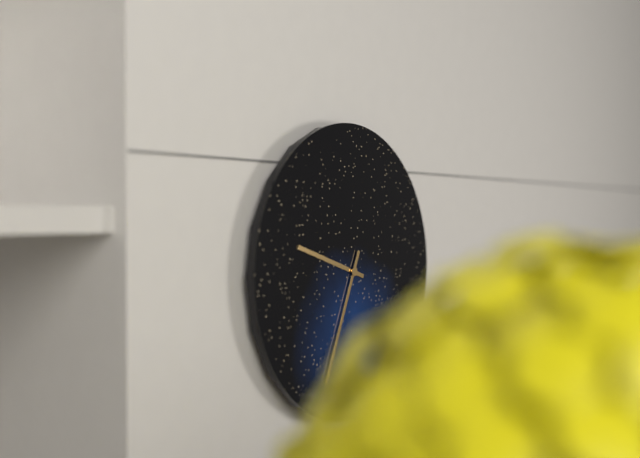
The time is **9:34**
